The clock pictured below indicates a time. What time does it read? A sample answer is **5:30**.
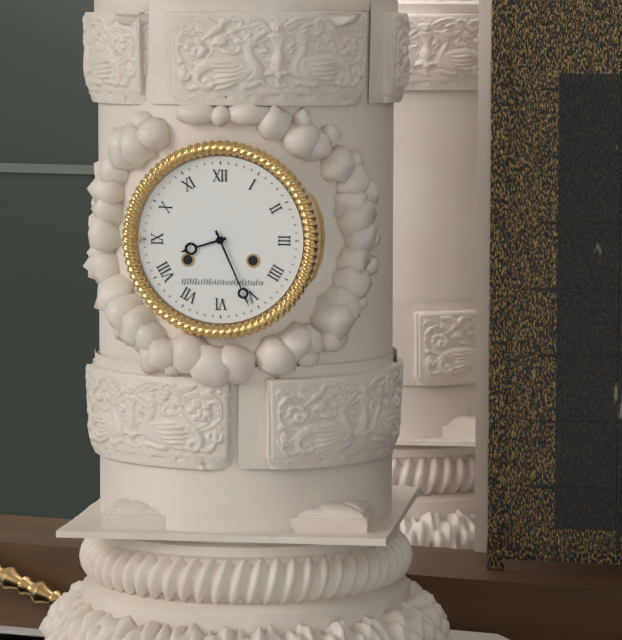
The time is **8:26**
